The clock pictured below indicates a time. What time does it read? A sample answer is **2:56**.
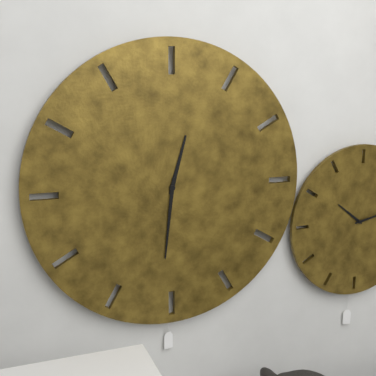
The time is **12:31**
